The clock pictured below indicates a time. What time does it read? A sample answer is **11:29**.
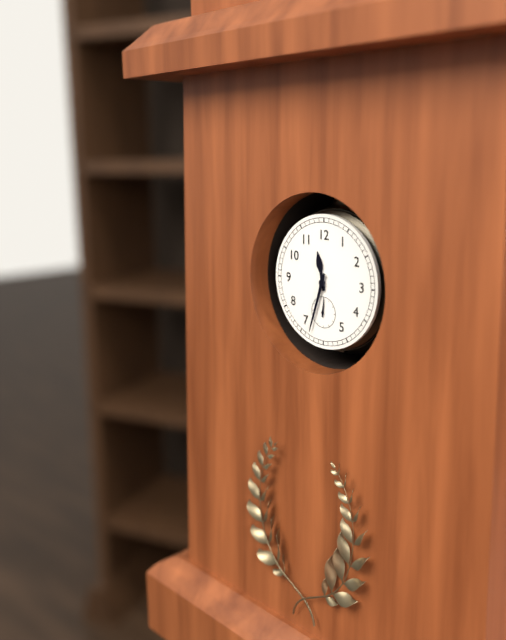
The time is **11:33**
